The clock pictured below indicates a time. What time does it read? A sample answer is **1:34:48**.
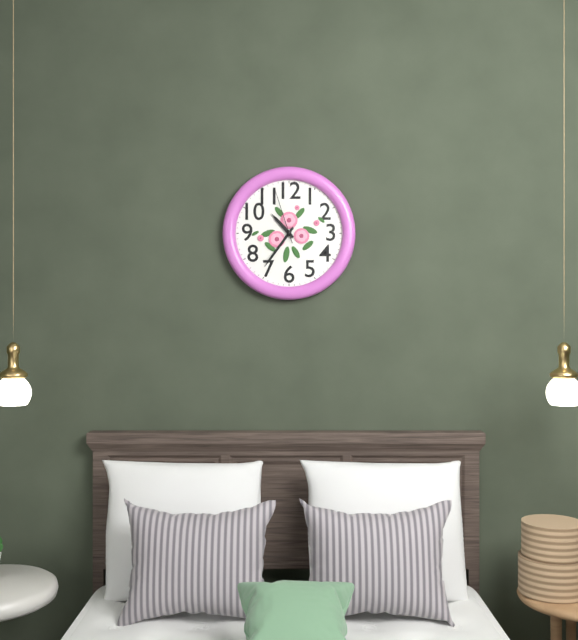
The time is **10:36:57**
